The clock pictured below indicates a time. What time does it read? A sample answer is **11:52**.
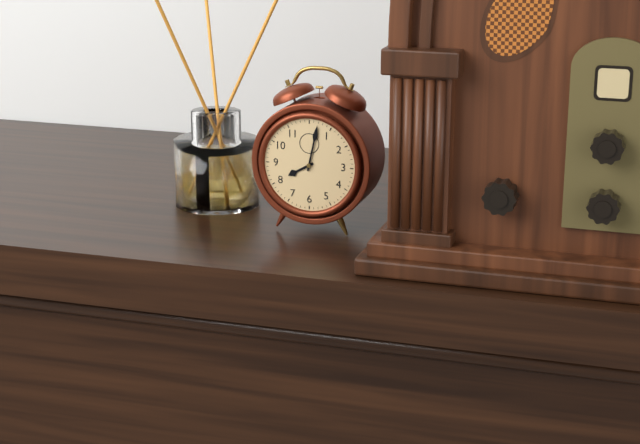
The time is **8:02**
